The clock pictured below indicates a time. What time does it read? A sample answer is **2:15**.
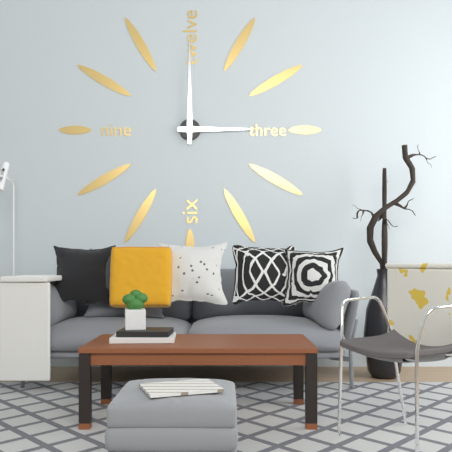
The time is **3:00**
